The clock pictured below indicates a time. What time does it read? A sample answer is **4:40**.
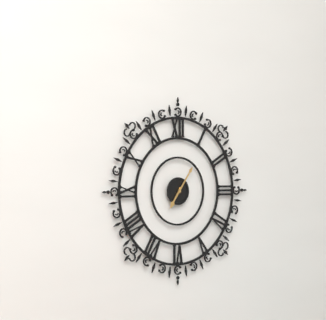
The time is **7:06**
